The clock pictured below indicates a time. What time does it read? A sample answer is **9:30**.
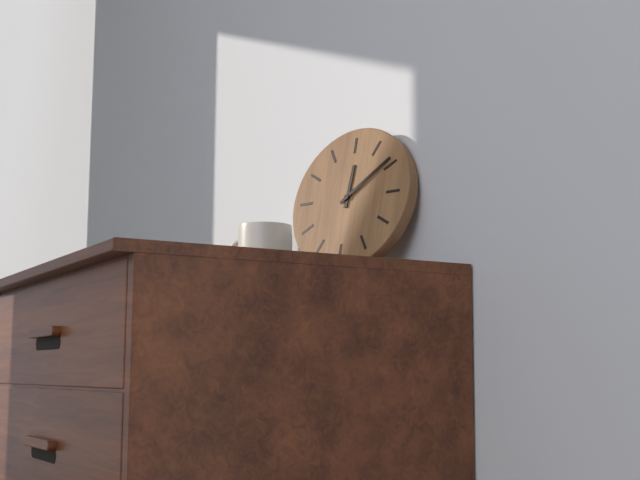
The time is **12:09**
